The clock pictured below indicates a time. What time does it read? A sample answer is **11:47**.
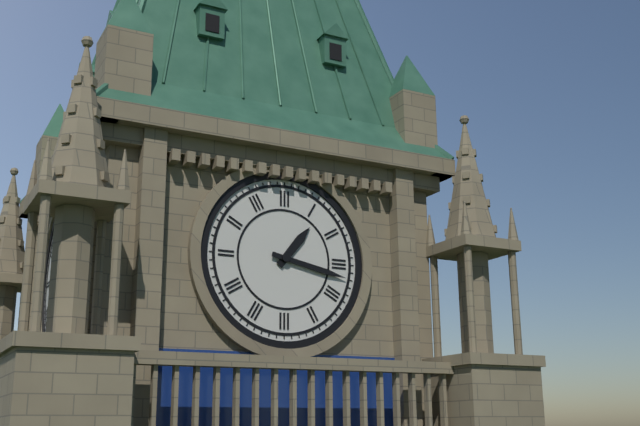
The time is **1:17**
